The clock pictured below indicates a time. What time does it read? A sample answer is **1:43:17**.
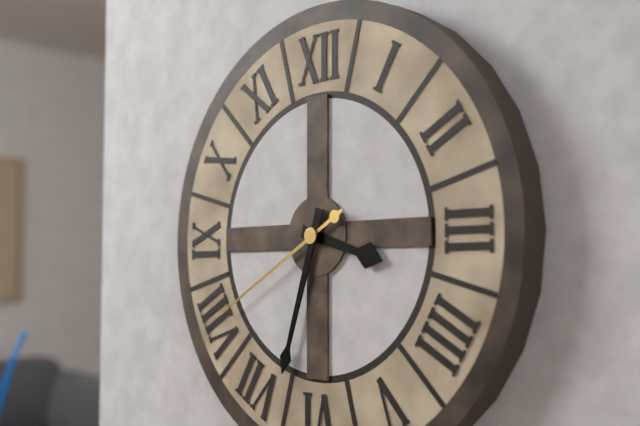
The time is **3:33:40**
